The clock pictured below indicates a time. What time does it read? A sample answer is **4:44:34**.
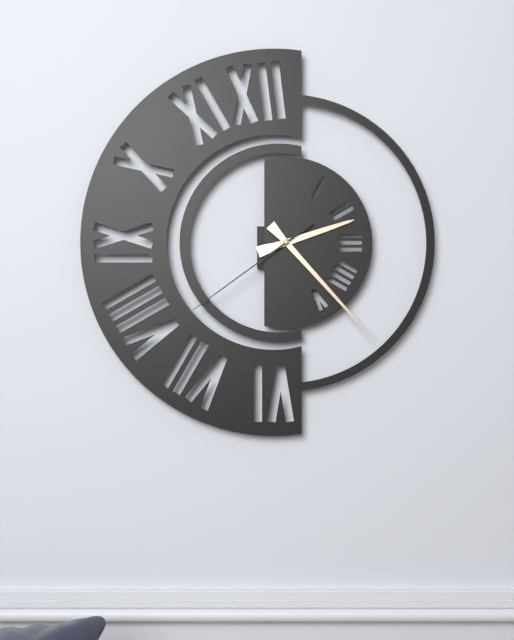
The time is **2:23:39**
